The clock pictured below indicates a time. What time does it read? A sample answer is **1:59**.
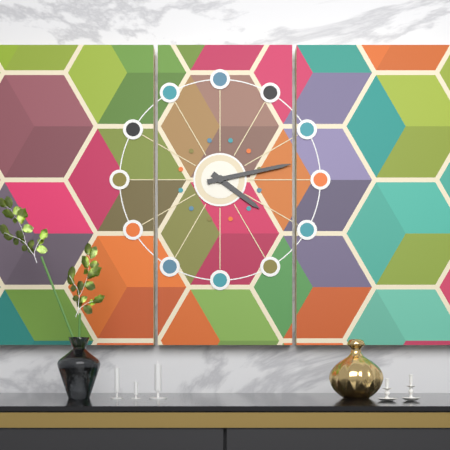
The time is **4:13**
